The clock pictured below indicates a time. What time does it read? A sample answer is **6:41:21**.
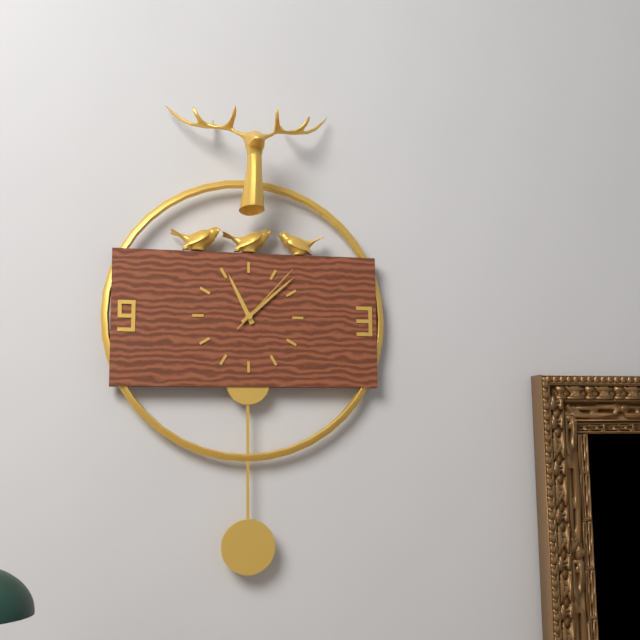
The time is **11:08:07**
